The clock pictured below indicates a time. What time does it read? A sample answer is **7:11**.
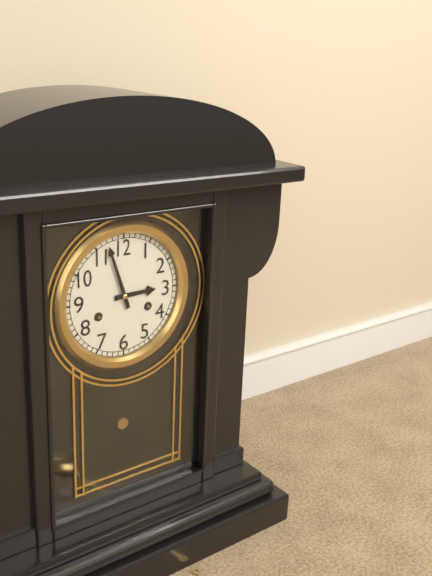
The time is **2:57**
